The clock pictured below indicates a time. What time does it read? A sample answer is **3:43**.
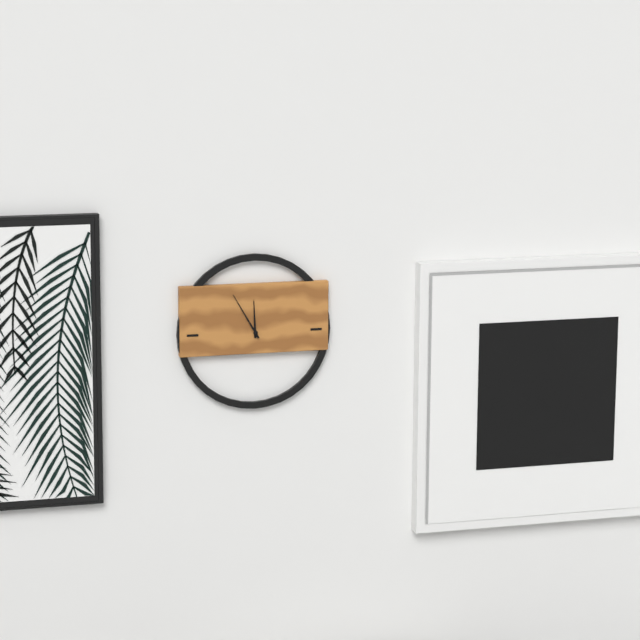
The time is **11:55**
